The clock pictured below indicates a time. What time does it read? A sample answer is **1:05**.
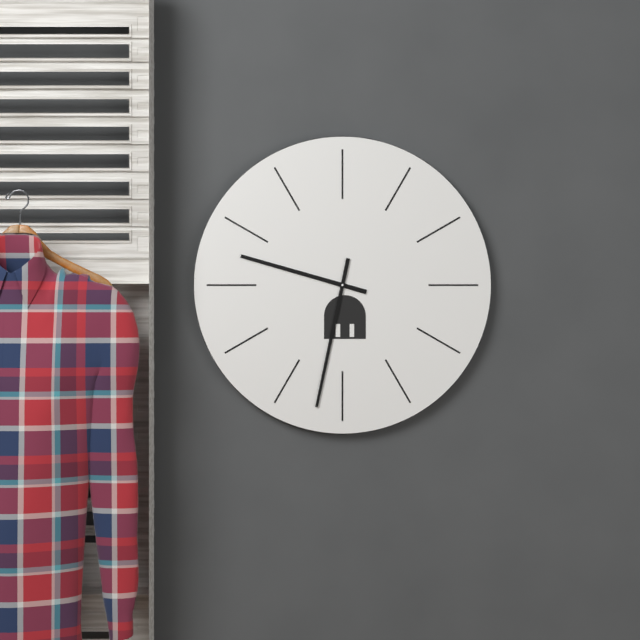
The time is **9:32**
